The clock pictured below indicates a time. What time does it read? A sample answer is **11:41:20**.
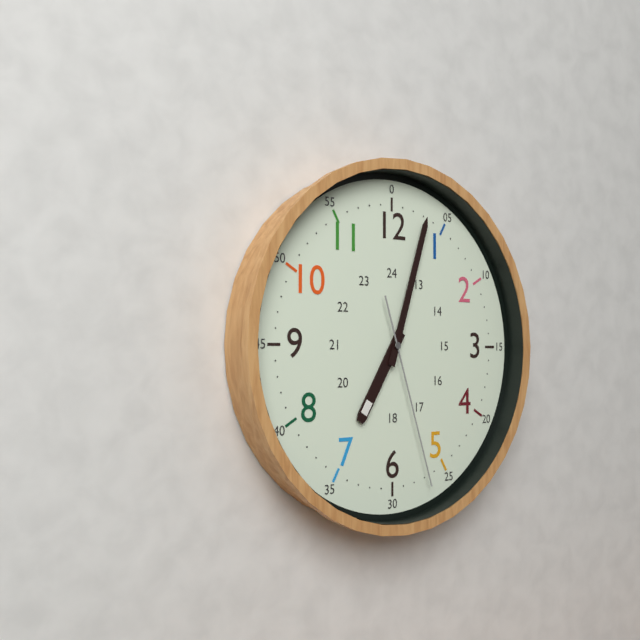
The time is **7:03:27**
